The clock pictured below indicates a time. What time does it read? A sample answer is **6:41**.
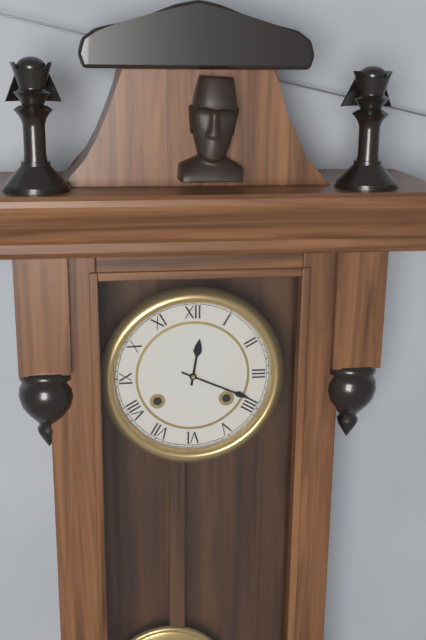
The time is **12:19**
